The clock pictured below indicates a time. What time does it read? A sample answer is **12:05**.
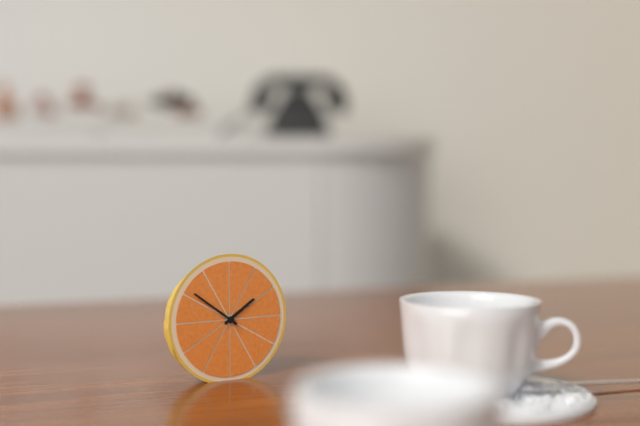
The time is **1:51**
